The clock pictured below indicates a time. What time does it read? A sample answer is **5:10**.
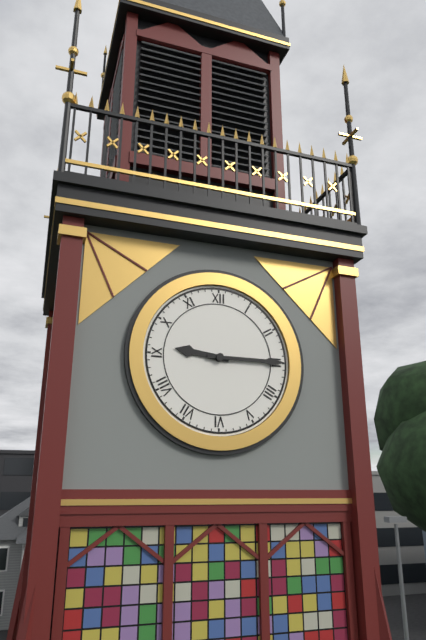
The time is **9:15**
